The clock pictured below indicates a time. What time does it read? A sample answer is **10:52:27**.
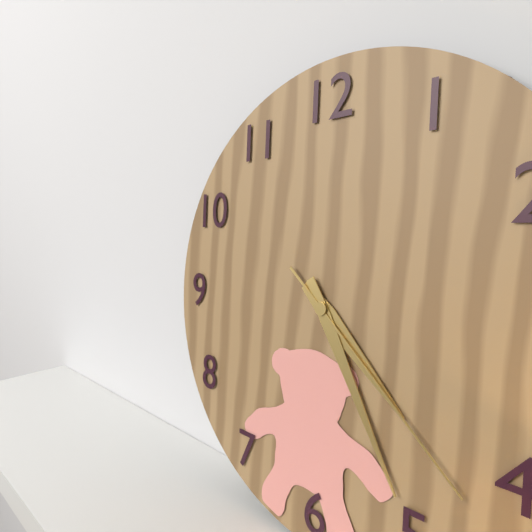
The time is **4:25:22**
